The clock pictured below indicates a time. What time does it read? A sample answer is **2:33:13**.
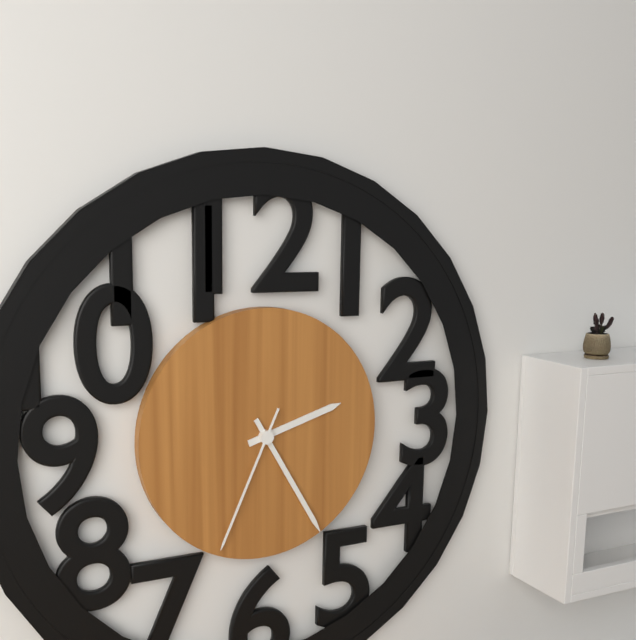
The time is **2:25:34**
